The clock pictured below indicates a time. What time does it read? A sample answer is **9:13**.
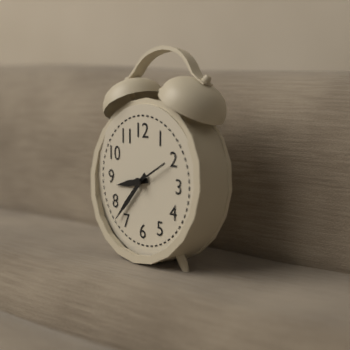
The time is **8:37**
